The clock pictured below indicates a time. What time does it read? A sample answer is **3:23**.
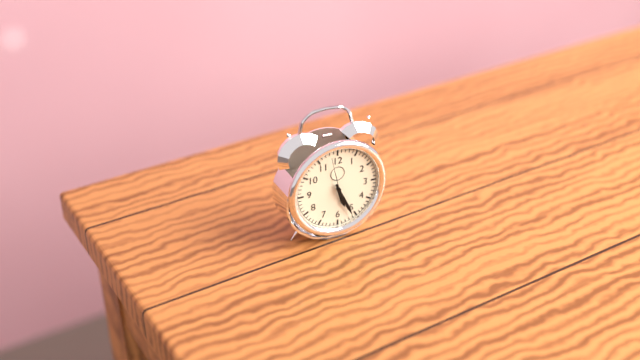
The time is **5:26**
